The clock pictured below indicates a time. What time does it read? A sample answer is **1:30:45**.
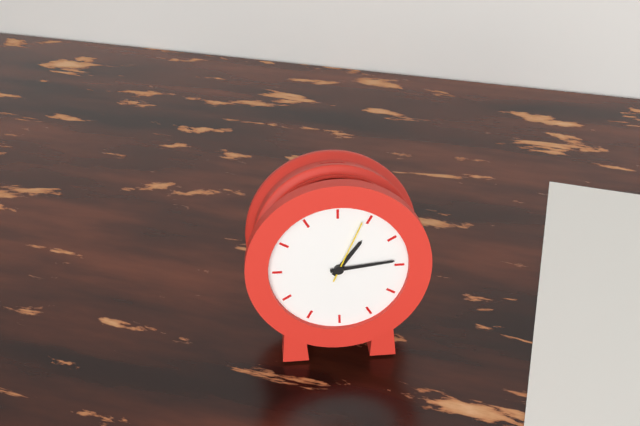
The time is **1:14:04**
